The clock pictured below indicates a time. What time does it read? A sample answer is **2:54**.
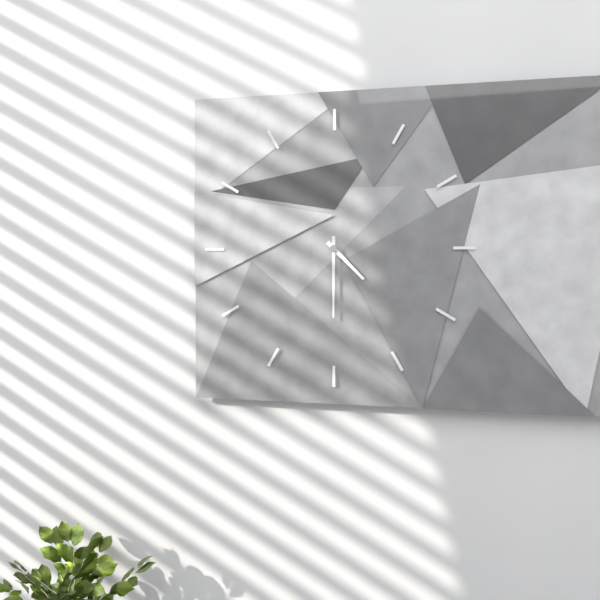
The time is **4:30**
